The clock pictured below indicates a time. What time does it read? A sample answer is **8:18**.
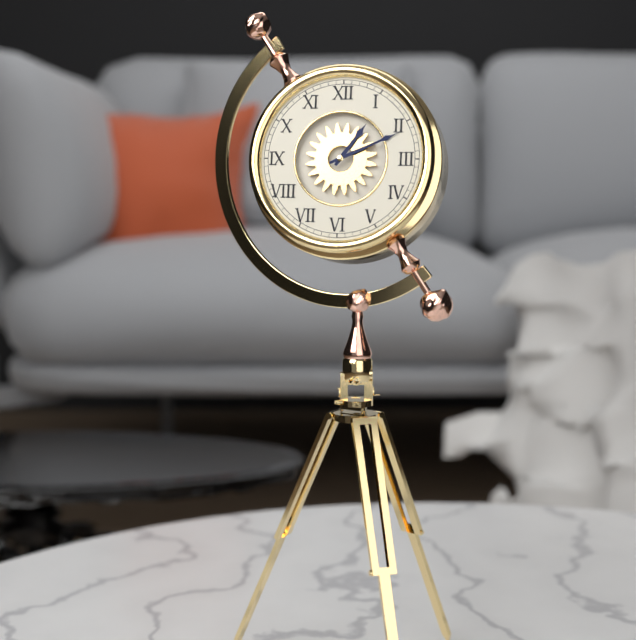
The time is **1:11**
